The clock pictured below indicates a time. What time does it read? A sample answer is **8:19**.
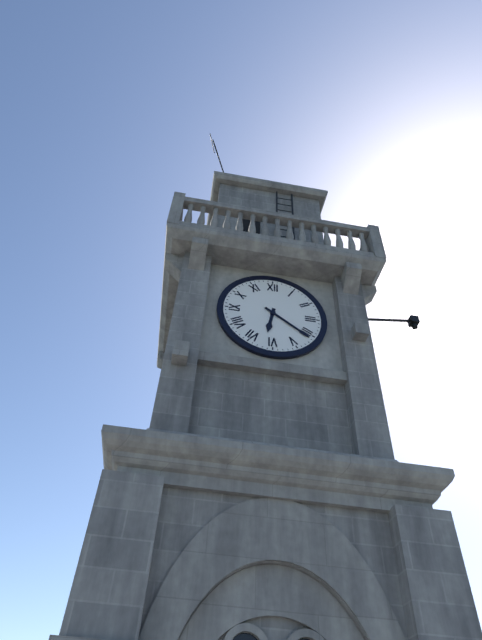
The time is **6:21**
